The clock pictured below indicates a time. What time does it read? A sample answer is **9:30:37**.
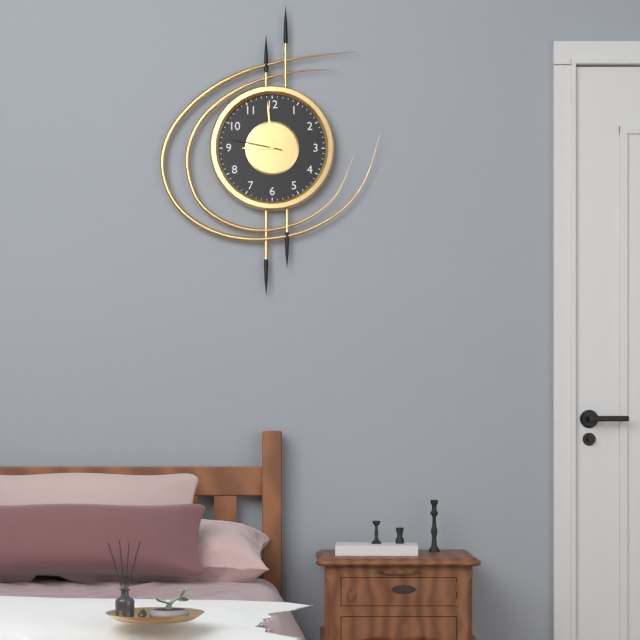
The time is **8:59:47**
